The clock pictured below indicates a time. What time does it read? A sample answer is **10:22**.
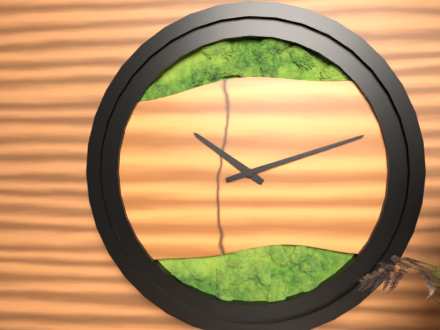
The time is **10:12**
